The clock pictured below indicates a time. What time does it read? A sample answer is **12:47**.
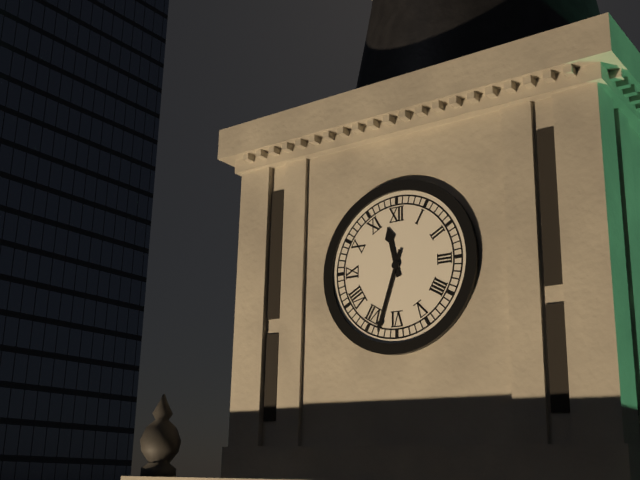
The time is **11:33**
